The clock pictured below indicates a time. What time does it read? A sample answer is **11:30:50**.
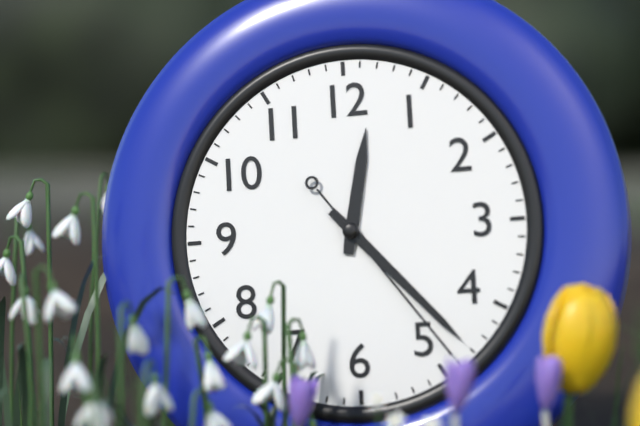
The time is **12:23:24**
